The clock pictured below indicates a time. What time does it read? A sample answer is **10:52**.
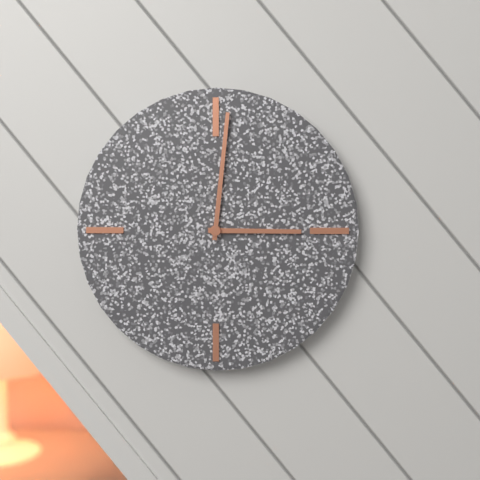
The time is **3:01**
